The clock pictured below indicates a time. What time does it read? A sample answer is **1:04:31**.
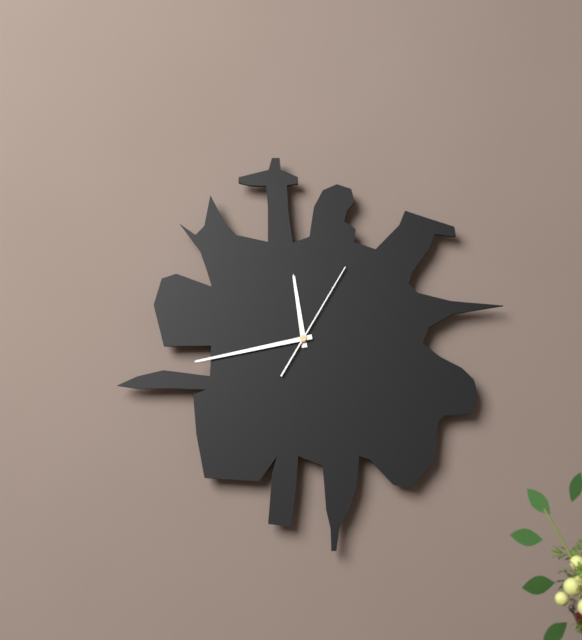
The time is **11:43:05**
